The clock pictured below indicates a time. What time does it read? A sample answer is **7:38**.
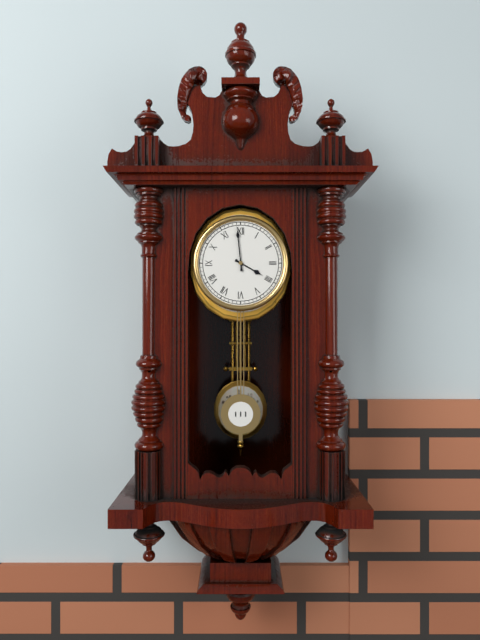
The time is **3:59**
